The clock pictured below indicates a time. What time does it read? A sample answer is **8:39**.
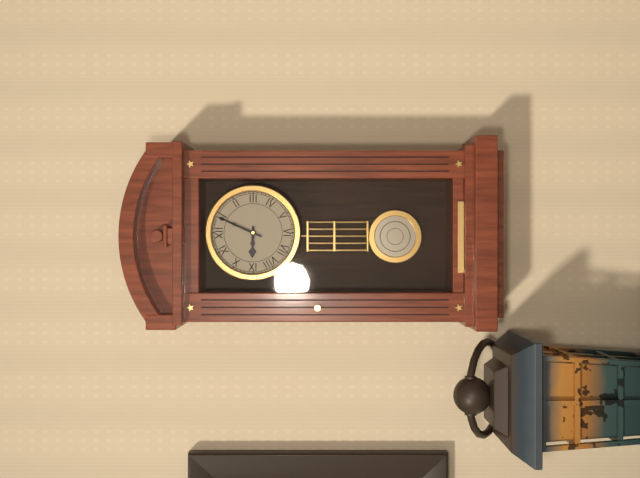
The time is **9:04**
